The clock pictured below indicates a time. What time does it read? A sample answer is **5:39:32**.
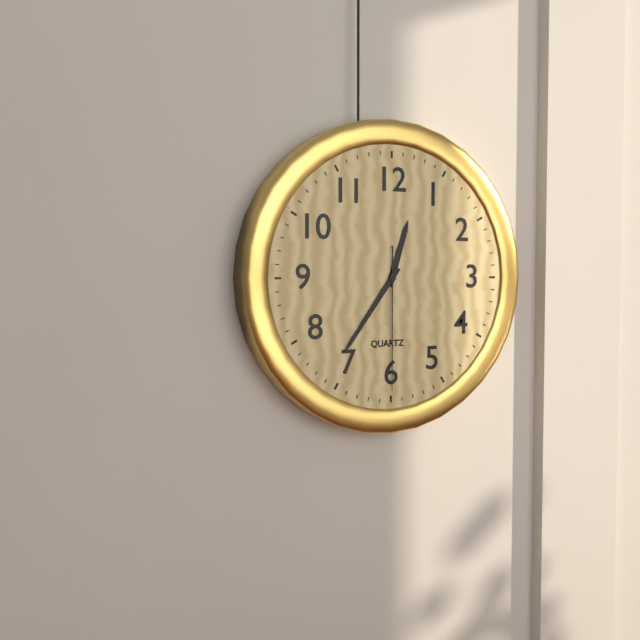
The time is **12:36:30**
